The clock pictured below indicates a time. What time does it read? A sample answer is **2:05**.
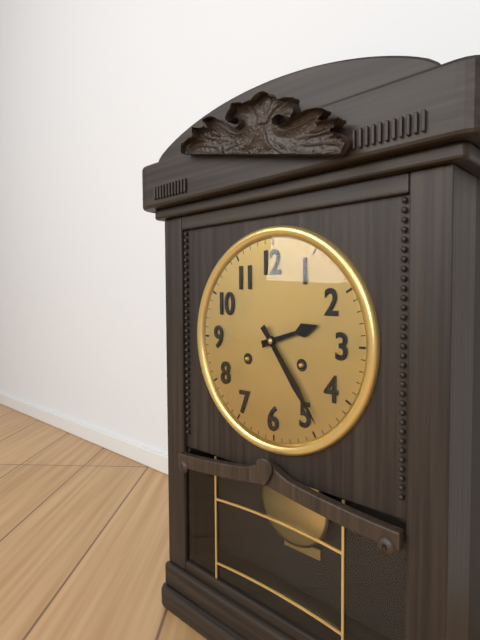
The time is **2:24**
